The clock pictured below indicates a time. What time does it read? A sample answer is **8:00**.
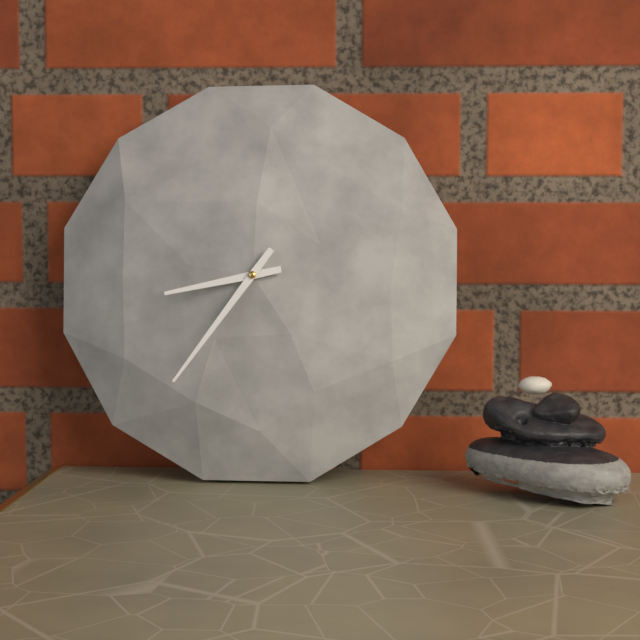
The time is **8:36**
